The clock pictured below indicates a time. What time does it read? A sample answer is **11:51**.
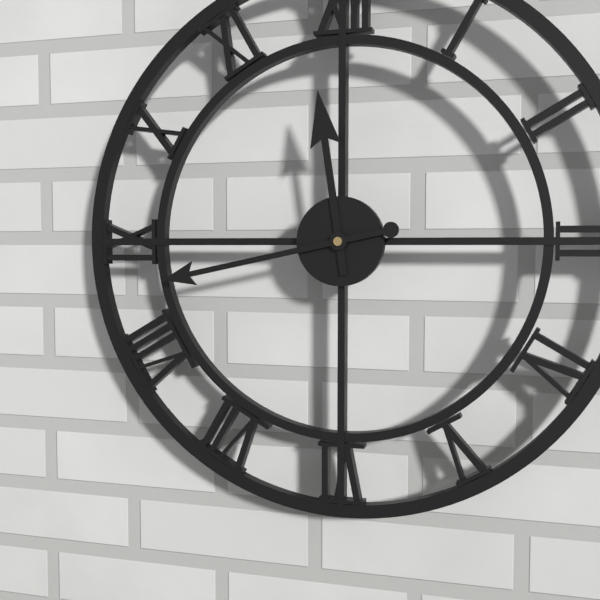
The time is **11:43**
